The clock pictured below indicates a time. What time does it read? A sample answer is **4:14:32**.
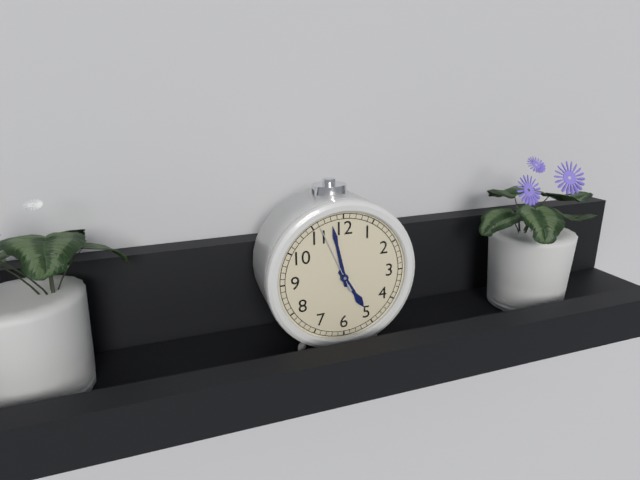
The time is **4:58:56**
